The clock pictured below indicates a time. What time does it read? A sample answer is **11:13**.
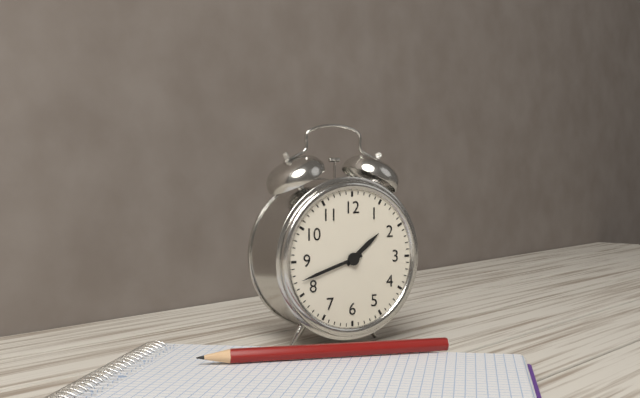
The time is **1:42**
